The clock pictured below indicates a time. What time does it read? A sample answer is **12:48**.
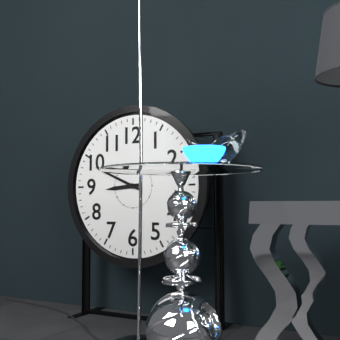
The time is **8:49**
